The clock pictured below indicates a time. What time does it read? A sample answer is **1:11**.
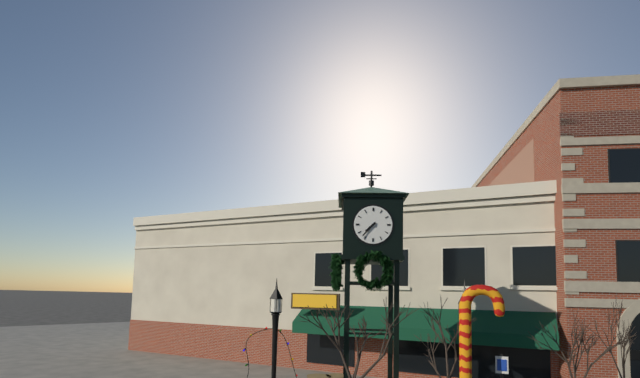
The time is **7:37**
